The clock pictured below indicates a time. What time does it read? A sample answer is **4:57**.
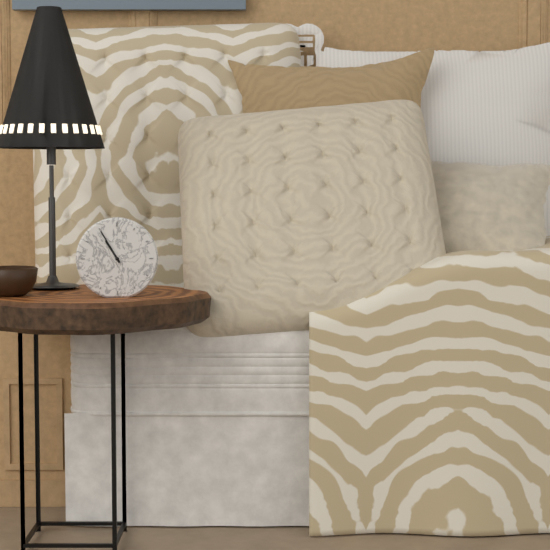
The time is **10:55**
